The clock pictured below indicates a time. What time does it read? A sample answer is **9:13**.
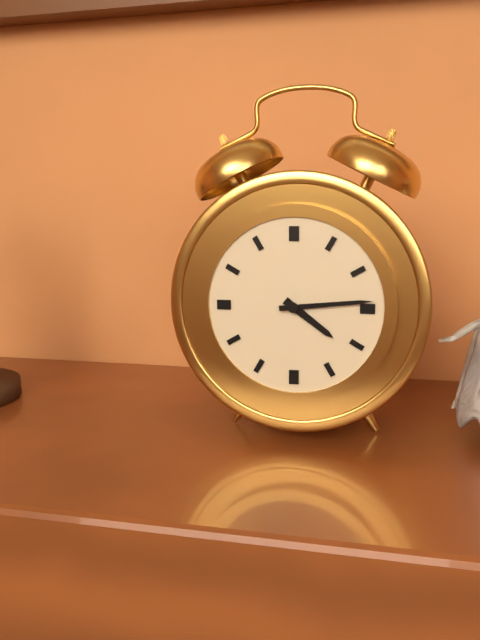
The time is **4:14**
